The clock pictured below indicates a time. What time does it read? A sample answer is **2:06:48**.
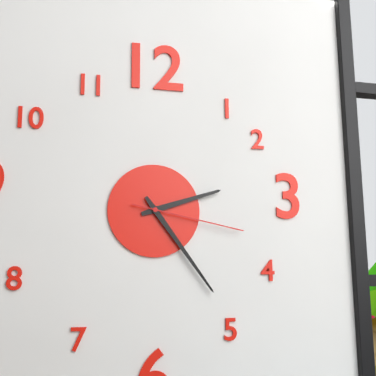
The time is **2:24:17**
